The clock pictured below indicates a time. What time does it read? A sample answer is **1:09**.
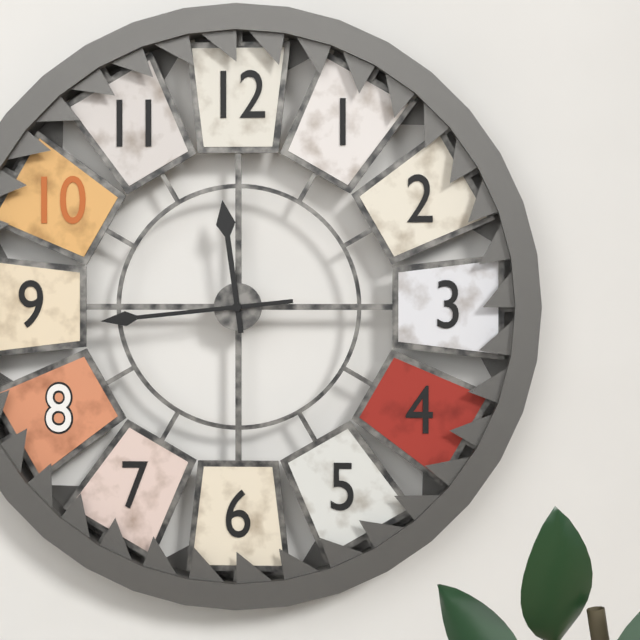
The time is **11:44**
